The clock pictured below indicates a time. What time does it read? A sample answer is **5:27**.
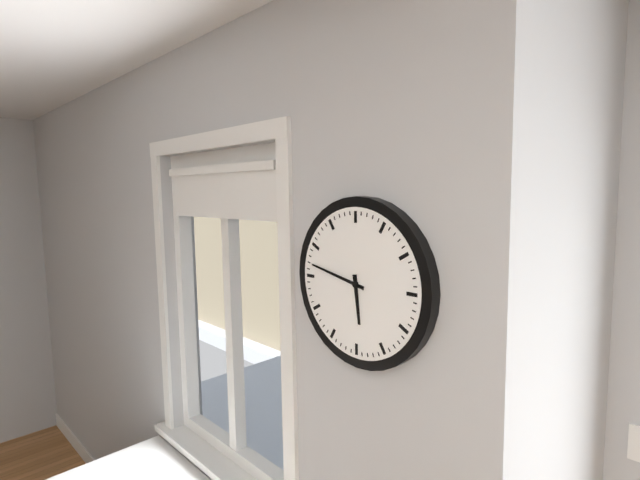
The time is **5:47**
